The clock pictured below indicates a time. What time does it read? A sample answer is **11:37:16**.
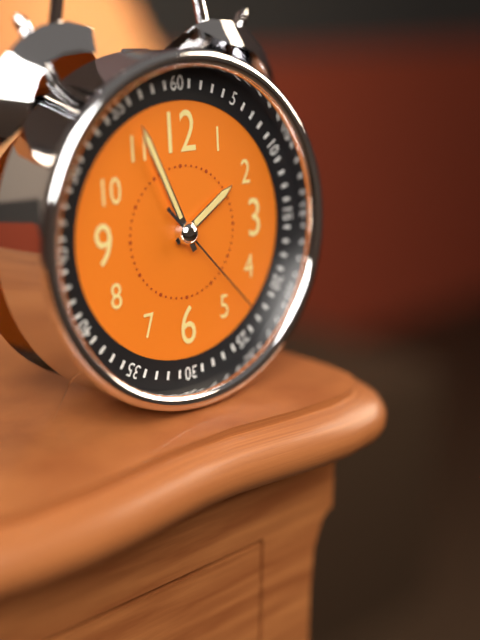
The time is **1:56:23**
